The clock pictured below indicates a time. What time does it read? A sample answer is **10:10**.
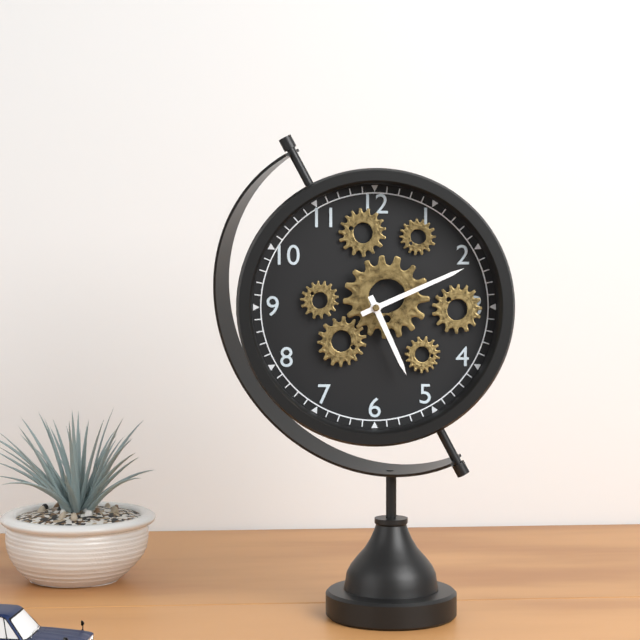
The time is **5:11**
